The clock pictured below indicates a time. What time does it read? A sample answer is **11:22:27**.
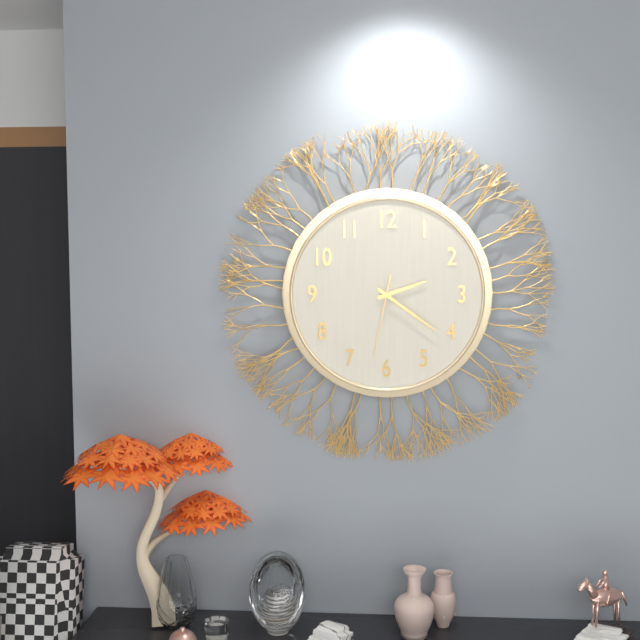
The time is **2:21:32**
